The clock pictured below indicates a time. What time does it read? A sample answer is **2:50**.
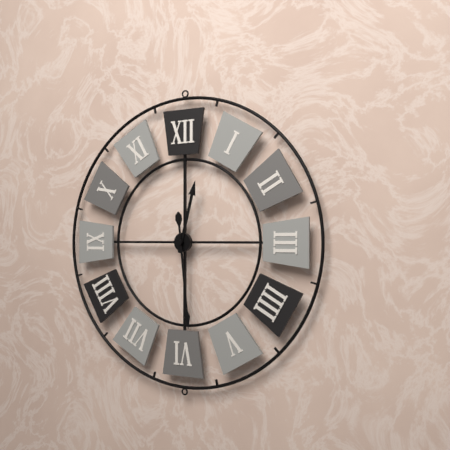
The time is **12:29**
